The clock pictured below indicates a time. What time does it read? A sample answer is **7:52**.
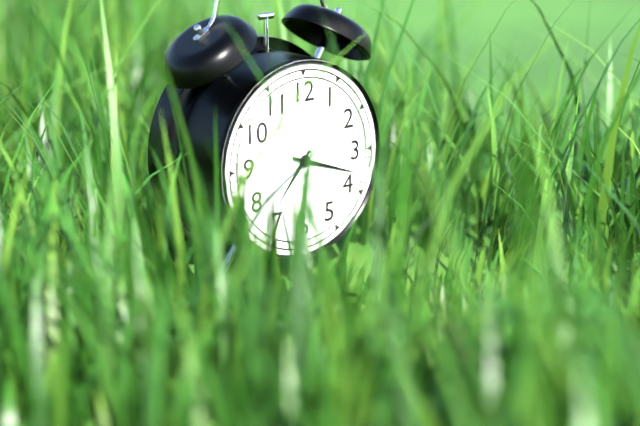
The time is **7:18**
